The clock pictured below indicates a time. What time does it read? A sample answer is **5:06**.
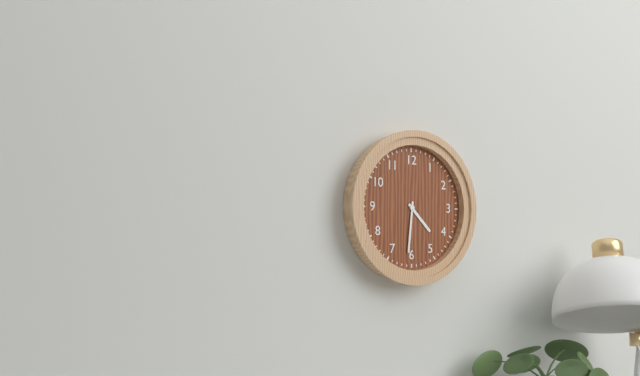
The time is **4:31**
